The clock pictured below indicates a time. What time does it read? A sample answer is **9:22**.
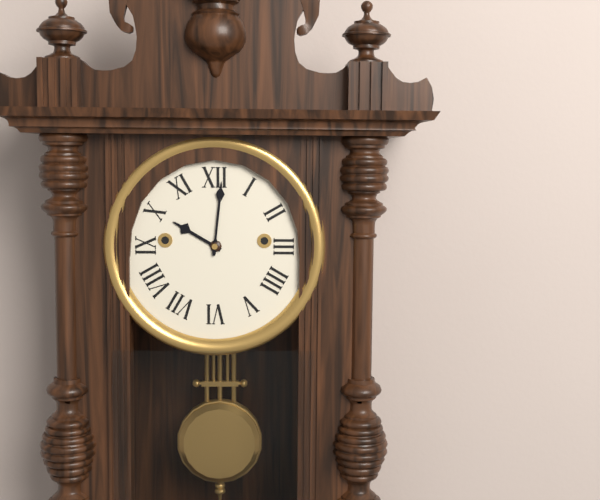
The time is **10:01**
